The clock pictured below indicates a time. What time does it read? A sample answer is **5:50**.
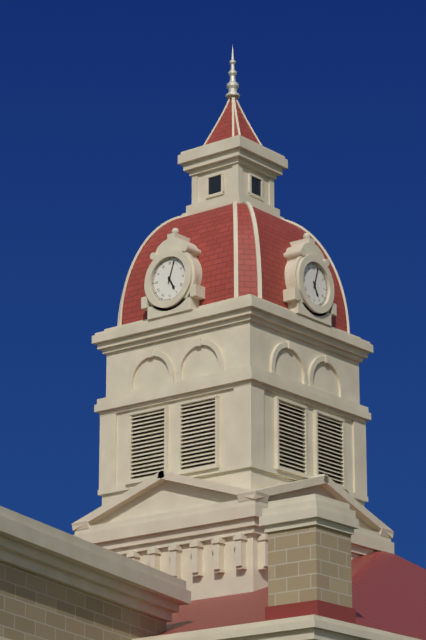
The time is **5:03**
